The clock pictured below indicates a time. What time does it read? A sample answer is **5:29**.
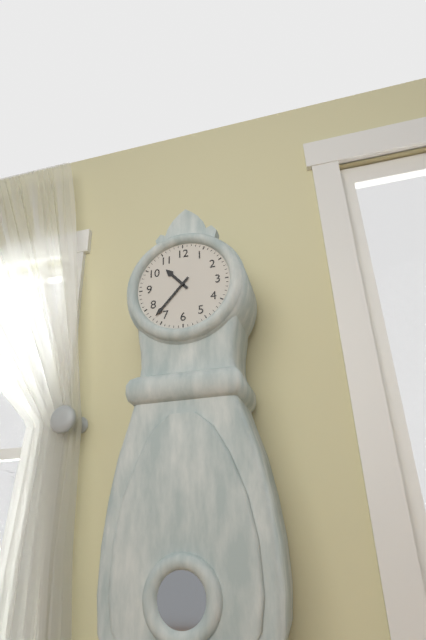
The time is **10:37**
